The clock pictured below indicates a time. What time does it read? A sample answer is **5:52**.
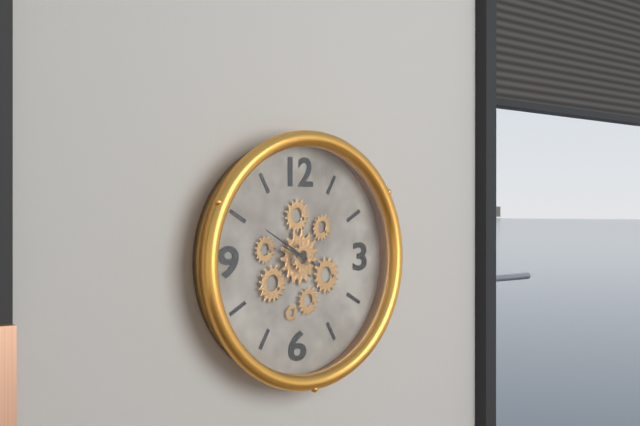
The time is **9:50**
